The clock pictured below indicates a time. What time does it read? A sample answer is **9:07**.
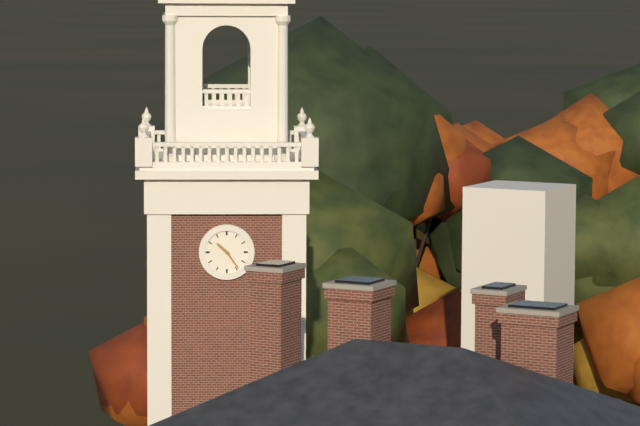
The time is **10:24**
